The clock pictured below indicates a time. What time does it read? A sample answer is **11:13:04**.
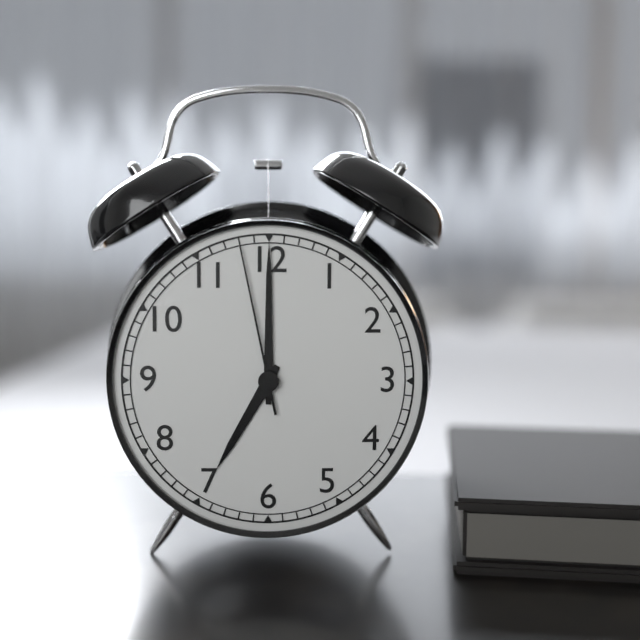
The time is **7:00:58**
